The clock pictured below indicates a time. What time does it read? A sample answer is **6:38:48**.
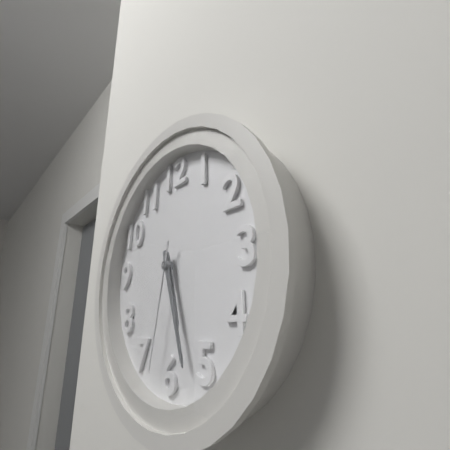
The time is **5:27:32**
